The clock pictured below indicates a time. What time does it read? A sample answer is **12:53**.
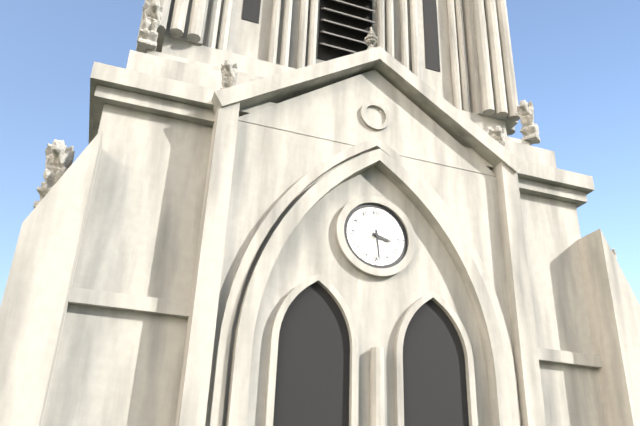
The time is **3:29**
